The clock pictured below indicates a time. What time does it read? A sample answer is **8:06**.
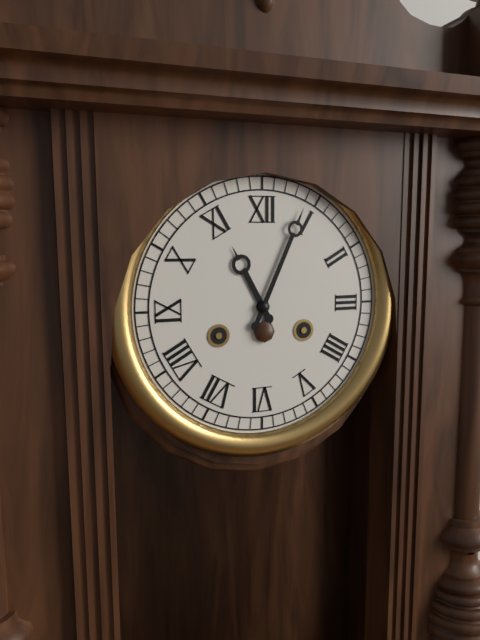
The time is **11:04**
